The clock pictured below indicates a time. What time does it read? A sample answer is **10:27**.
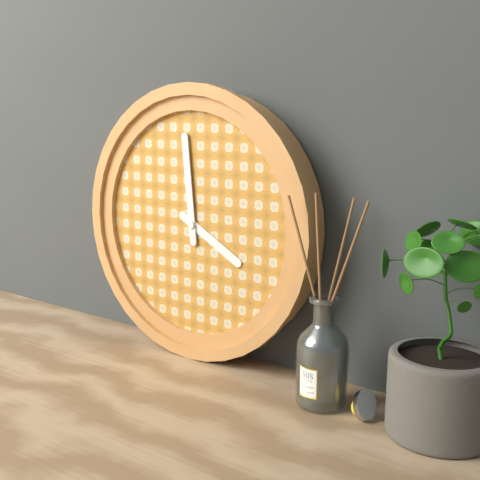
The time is **3:59**
